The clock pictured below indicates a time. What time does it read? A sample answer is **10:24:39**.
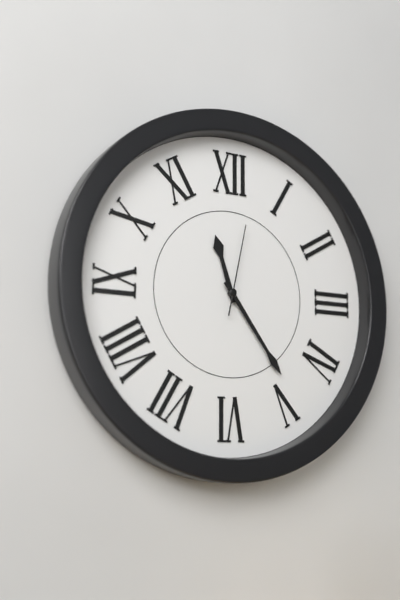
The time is **11:24:02**
